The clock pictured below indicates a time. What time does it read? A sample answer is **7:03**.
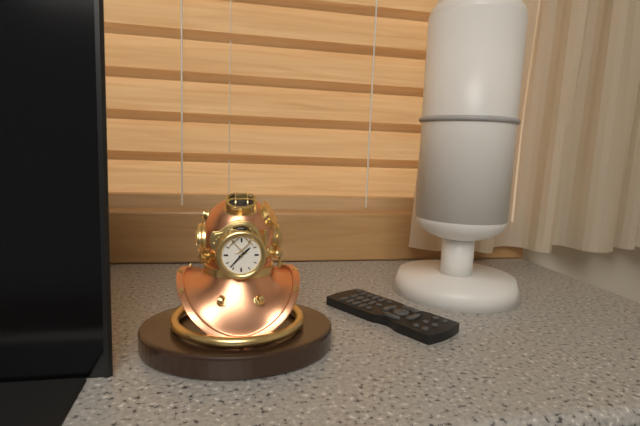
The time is **1:37**
